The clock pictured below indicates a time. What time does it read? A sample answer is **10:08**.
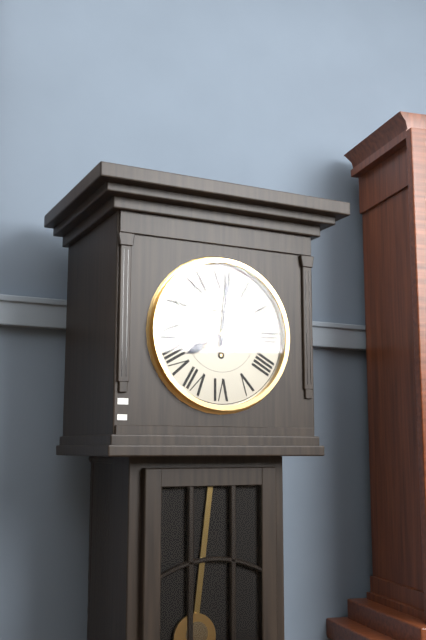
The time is **8:01**
